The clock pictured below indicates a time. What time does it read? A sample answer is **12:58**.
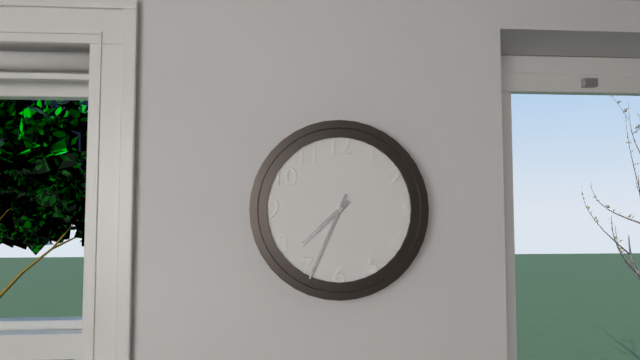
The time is **7:34**
